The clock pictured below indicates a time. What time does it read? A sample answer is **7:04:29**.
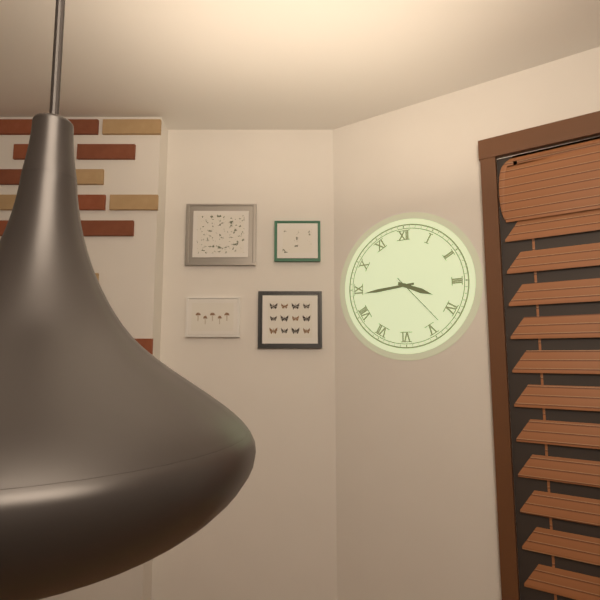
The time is **3:44:23**
